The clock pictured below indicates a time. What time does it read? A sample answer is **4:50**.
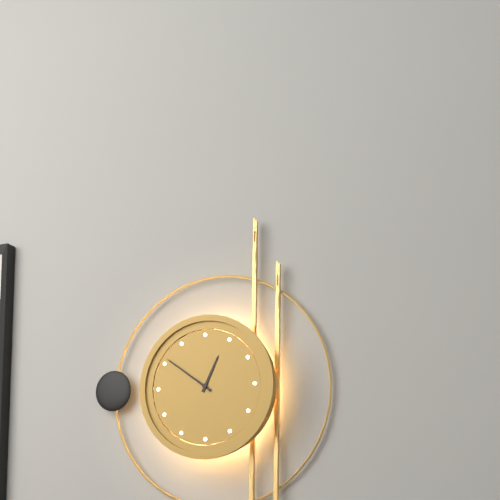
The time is **12:51**
